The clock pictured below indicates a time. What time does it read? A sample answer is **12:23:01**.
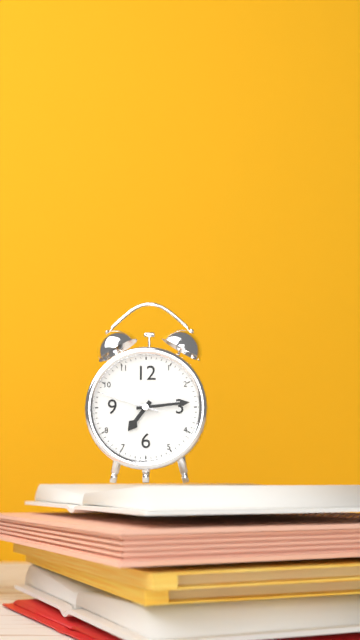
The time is **7:14:48**
